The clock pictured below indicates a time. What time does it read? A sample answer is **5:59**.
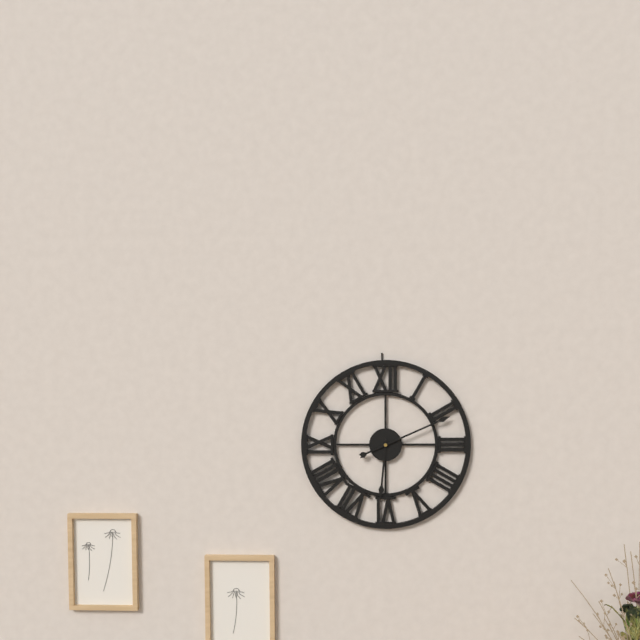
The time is **6:11**
